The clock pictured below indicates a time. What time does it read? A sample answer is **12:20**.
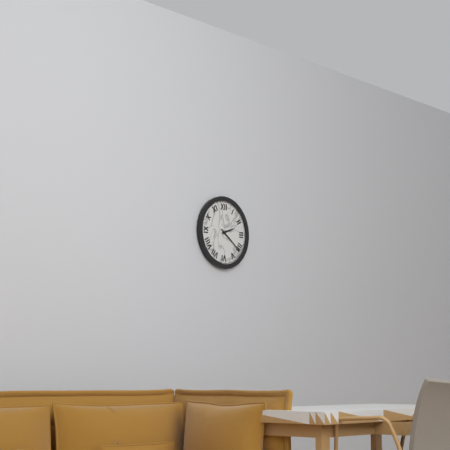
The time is **2:21**
